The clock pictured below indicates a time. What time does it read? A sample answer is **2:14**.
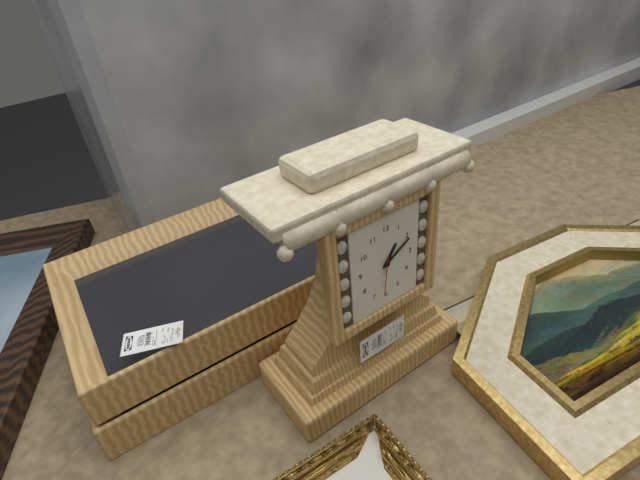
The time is **1:10**
